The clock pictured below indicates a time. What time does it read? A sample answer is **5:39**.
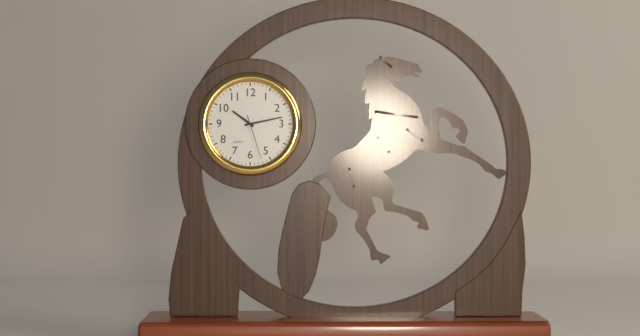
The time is **10:13**
